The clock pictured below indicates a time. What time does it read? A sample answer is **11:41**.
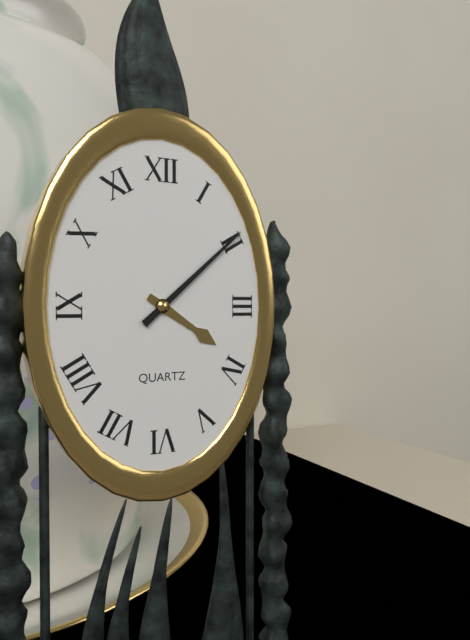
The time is **4:08**
